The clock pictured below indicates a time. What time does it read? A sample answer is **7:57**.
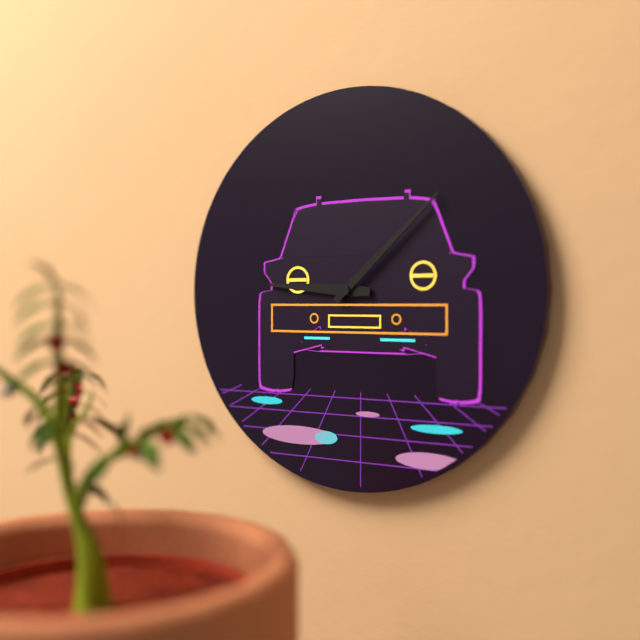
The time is **9:08**
